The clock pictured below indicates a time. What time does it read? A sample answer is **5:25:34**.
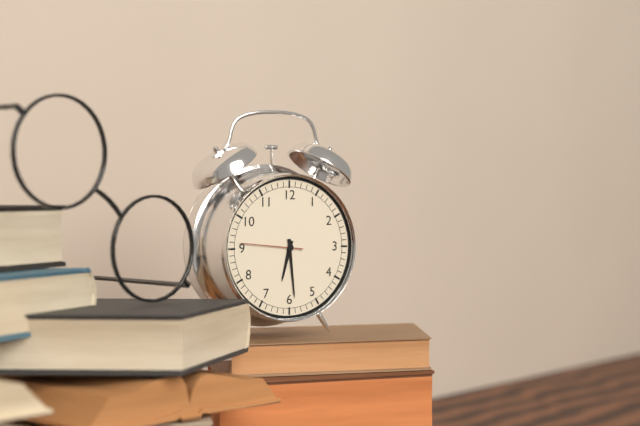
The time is **6:29:46**
